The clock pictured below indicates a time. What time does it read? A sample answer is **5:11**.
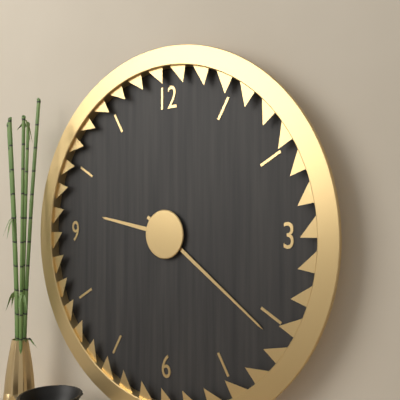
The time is **9:21**
